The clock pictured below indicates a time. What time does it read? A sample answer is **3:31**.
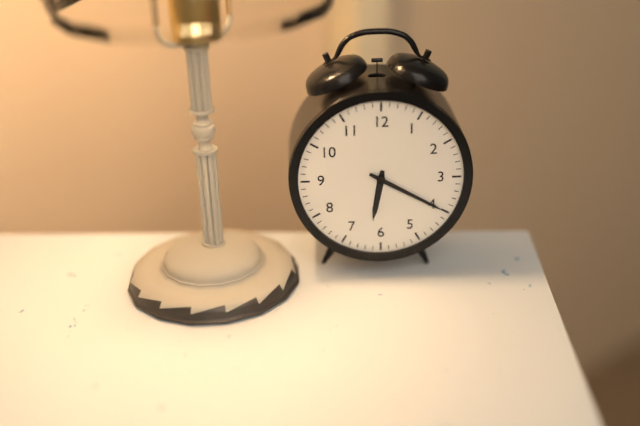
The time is **6:20**
